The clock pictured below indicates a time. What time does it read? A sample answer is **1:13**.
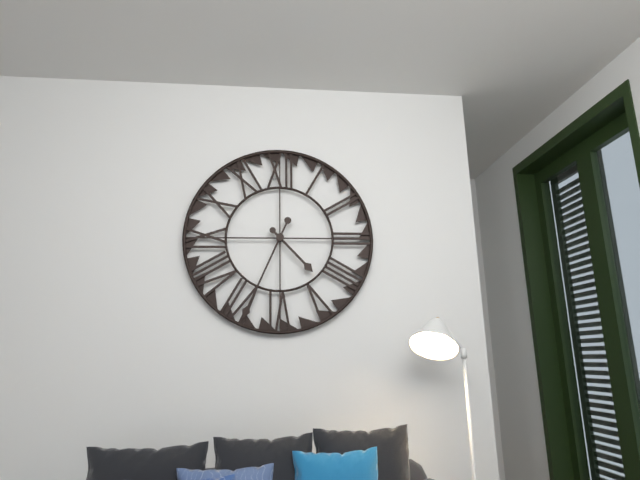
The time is **4:34**
